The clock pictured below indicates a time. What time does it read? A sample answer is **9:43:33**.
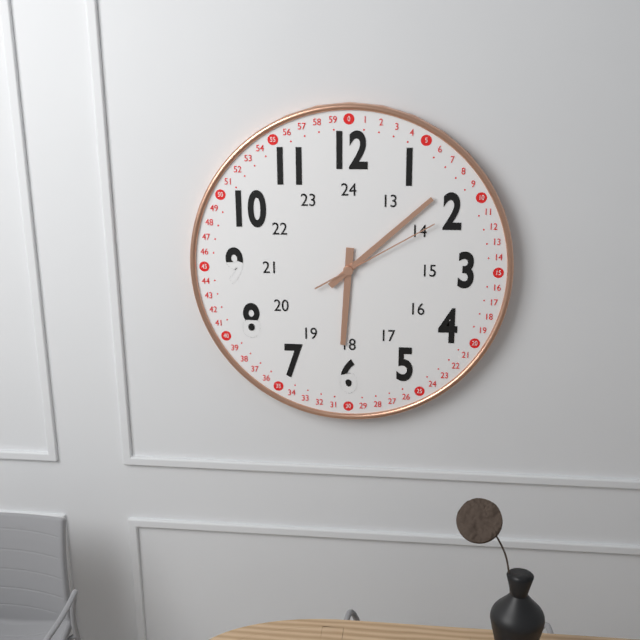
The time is **6:08:10**
